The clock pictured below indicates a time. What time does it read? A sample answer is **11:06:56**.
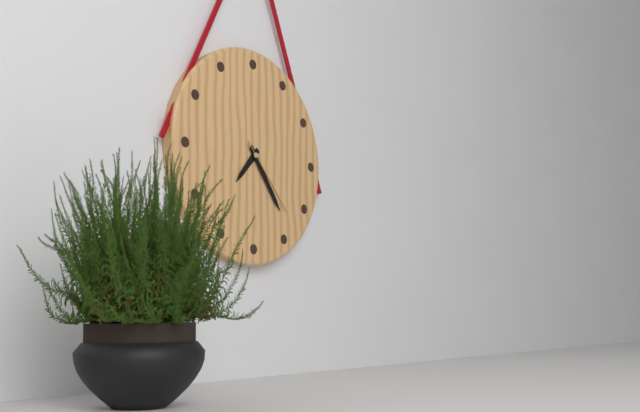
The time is **7:24:23**
